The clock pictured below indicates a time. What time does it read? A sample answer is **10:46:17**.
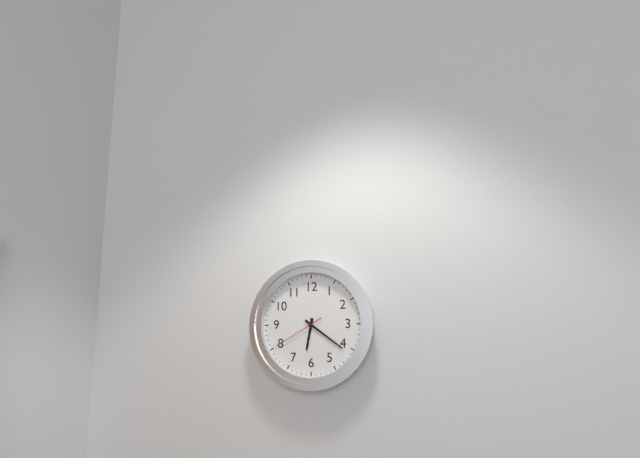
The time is **6:21:40**
